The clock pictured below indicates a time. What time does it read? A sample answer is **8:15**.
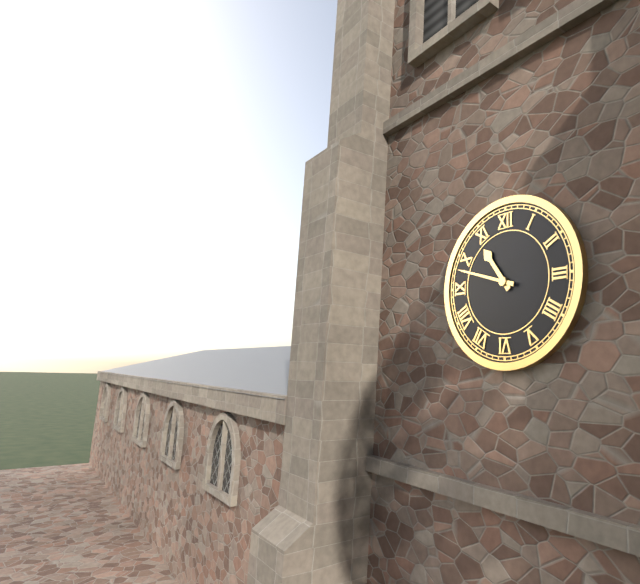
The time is **10:48**
